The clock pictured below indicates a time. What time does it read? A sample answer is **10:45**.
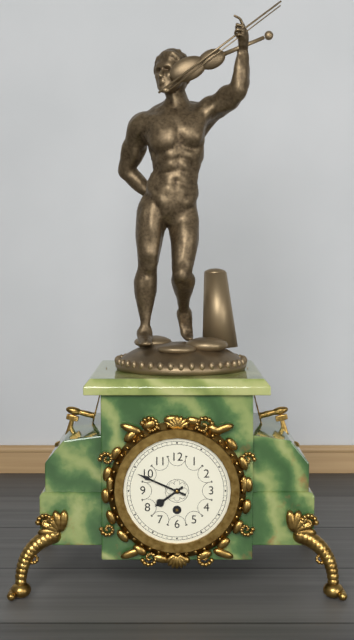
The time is **7:49**
